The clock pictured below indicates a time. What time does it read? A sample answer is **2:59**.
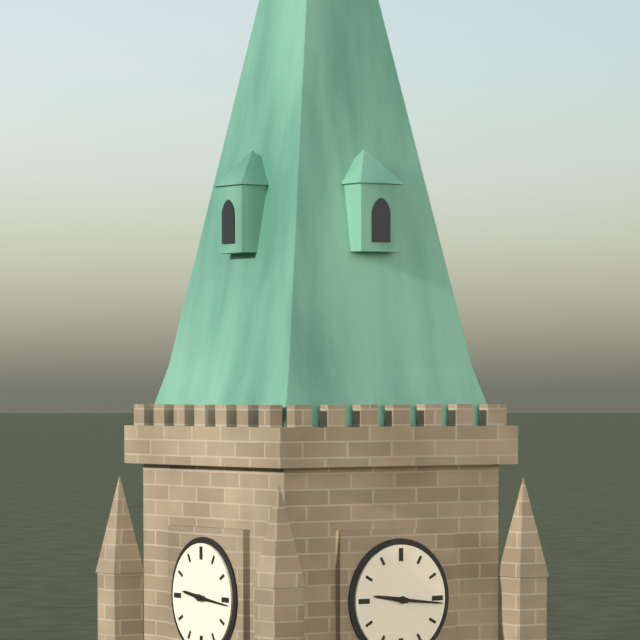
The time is **9:16**
